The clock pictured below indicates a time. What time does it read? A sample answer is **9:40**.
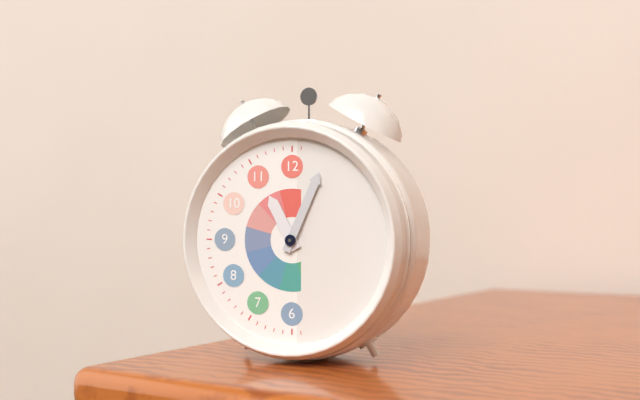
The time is **11:04**
